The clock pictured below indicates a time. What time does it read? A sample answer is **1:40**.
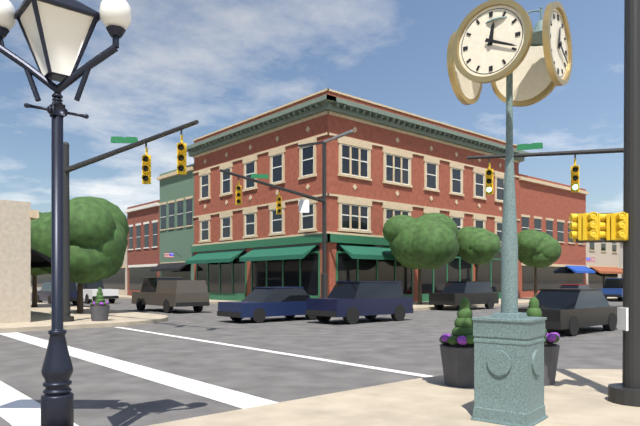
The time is **12:19**
